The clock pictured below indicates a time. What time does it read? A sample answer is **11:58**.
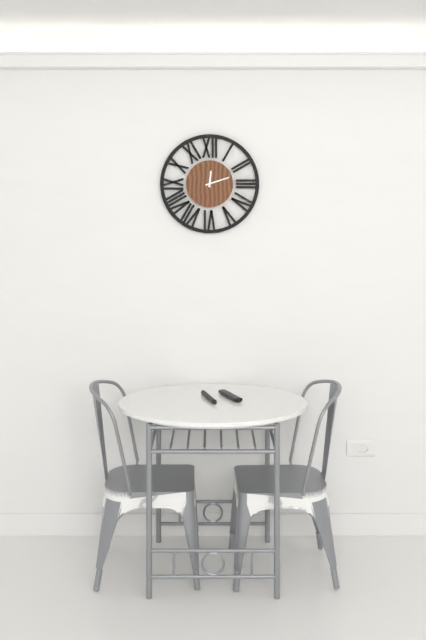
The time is **12:12**
